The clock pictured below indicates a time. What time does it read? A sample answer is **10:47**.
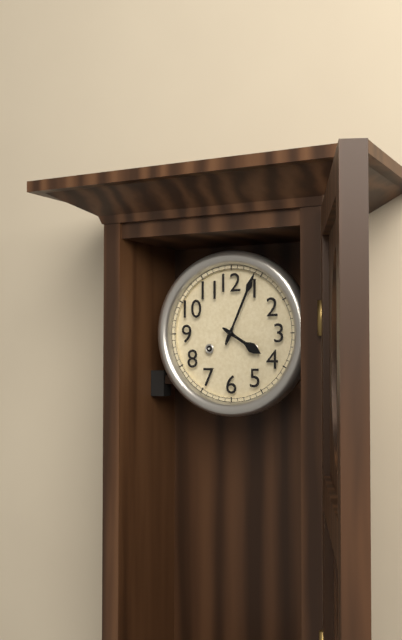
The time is **4:04**
